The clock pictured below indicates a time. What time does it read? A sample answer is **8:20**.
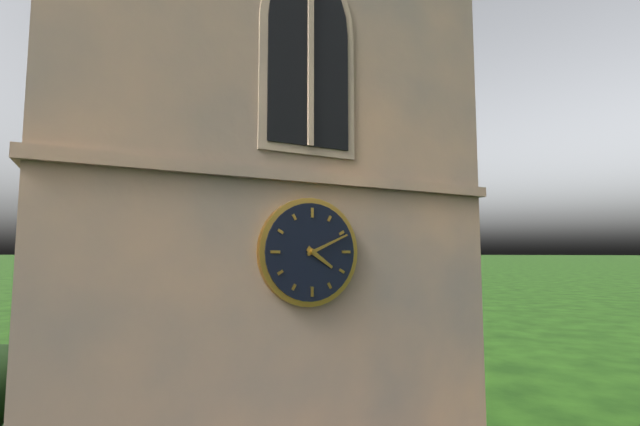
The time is **4:11**
